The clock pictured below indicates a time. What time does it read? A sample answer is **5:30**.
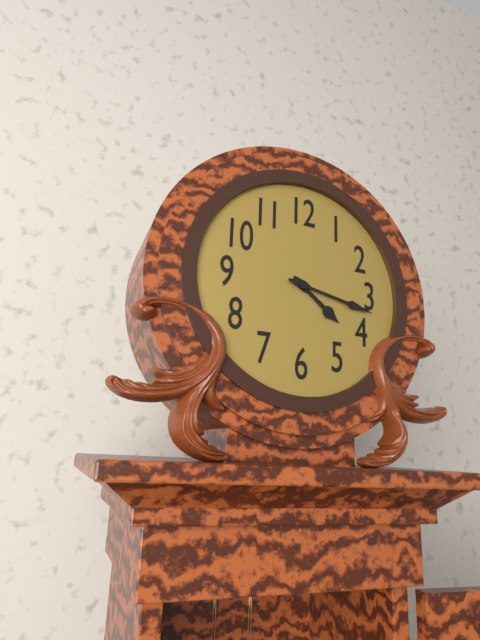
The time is **4:17**
